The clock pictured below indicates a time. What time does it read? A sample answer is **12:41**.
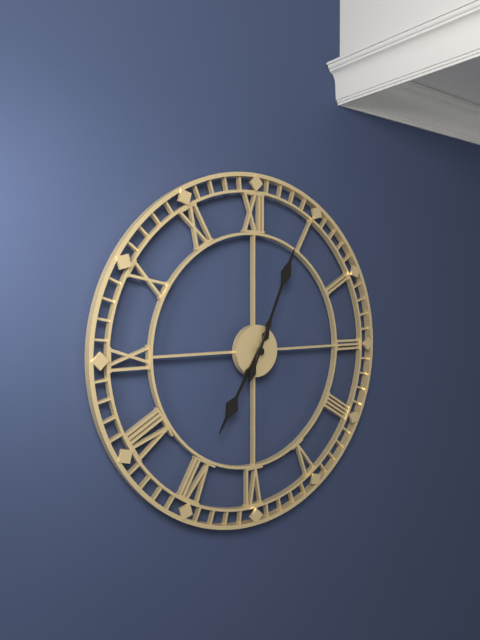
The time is **7:04**
